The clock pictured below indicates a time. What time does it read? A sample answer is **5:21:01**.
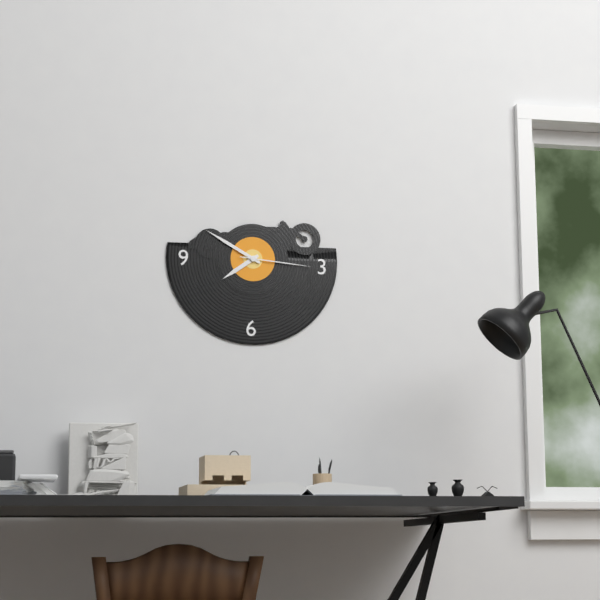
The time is **7:50:16**
